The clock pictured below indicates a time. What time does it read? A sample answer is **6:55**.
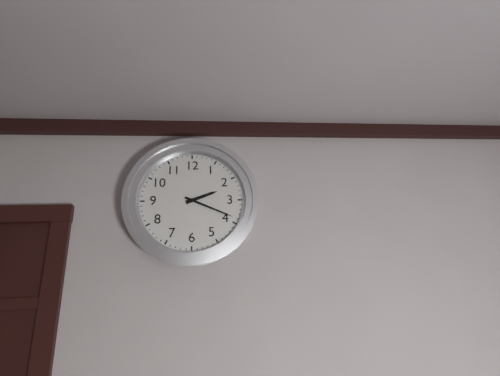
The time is **2:19**
